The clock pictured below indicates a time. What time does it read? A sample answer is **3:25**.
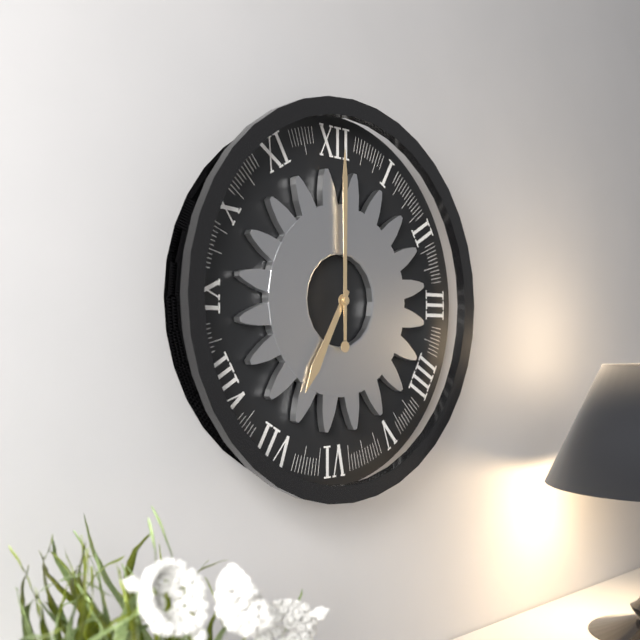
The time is **7:00**
